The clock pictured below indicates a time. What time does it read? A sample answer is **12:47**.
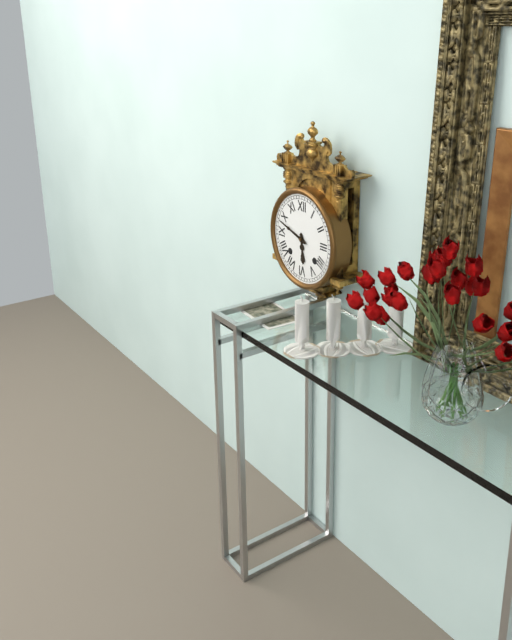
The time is **5:48**
